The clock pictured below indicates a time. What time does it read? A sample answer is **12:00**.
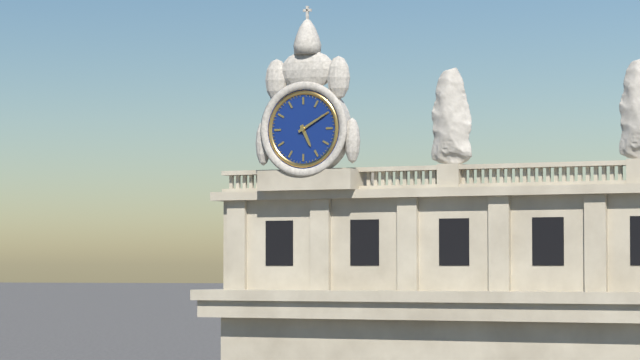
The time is **5:10**
